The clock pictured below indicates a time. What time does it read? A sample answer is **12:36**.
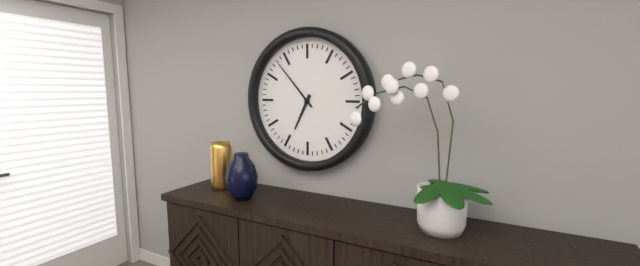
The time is **6:53**
